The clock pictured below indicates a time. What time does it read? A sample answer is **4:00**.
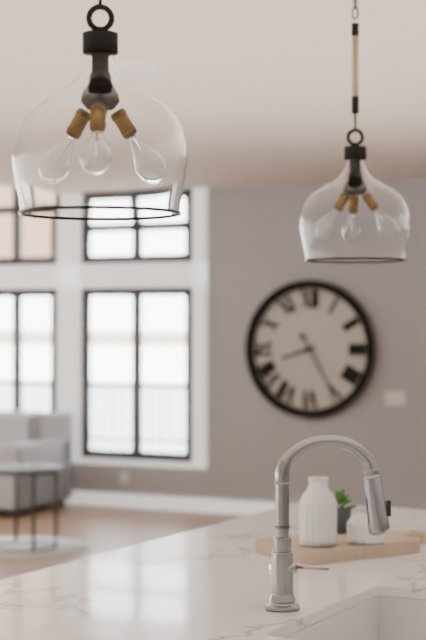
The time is **8:25**
